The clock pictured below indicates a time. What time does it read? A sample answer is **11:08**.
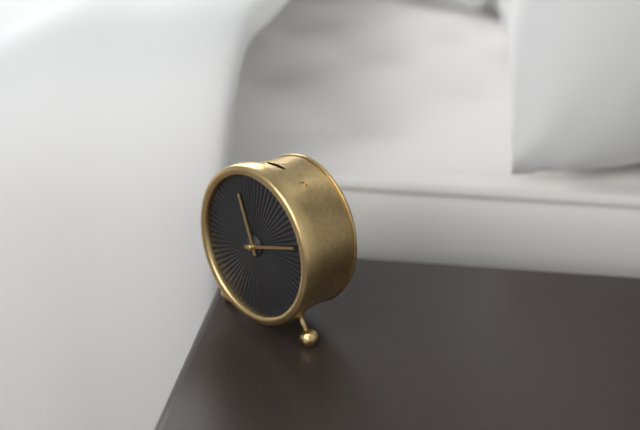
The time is **11:12**
